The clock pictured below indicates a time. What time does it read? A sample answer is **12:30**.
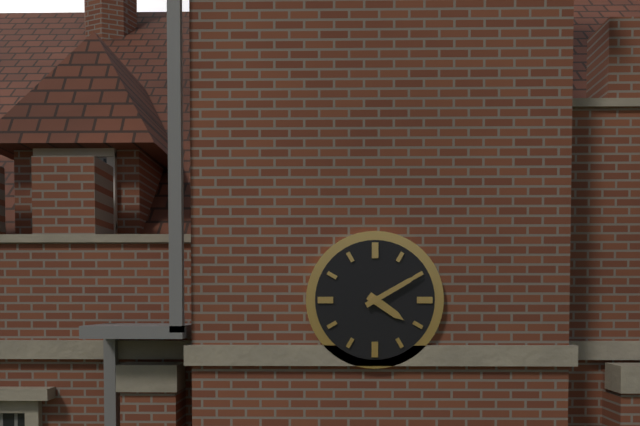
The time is **4:10**
